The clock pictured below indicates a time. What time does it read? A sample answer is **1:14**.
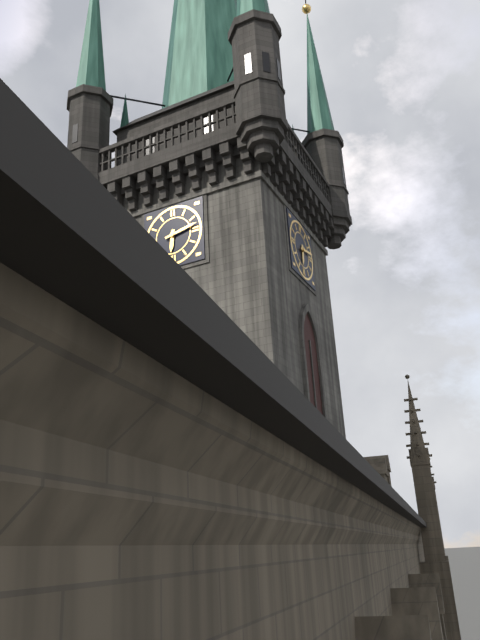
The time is **6:13**
